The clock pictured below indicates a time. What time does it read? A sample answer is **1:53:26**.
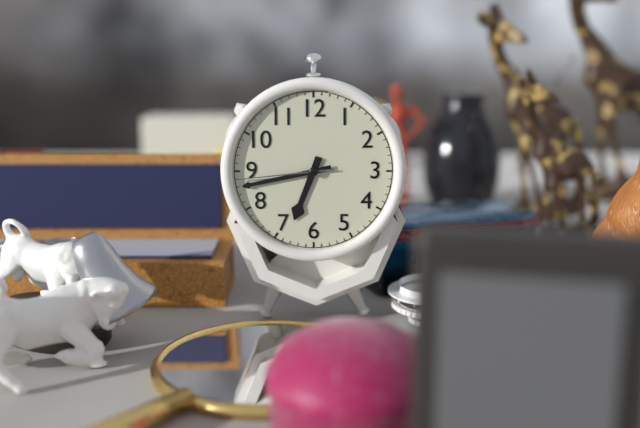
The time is **6:43:44**
